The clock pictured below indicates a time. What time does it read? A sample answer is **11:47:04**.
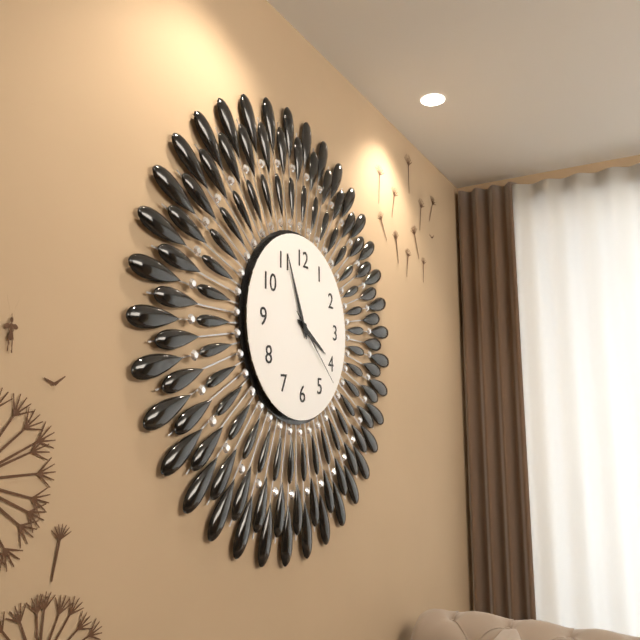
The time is **3:56:22**
